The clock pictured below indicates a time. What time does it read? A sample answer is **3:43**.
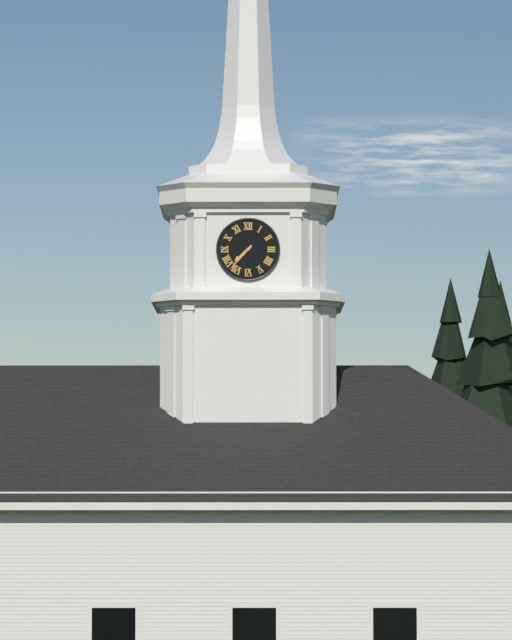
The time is **7:37**
